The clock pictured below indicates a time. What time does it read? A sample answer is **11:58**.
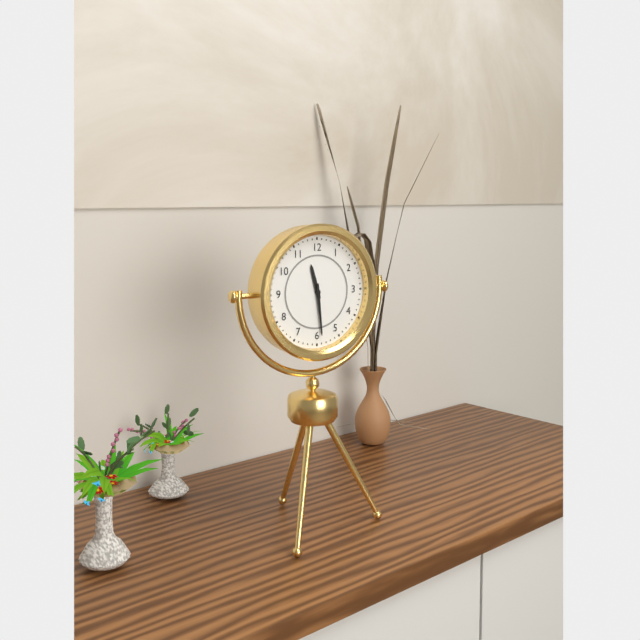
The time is **11:29**
